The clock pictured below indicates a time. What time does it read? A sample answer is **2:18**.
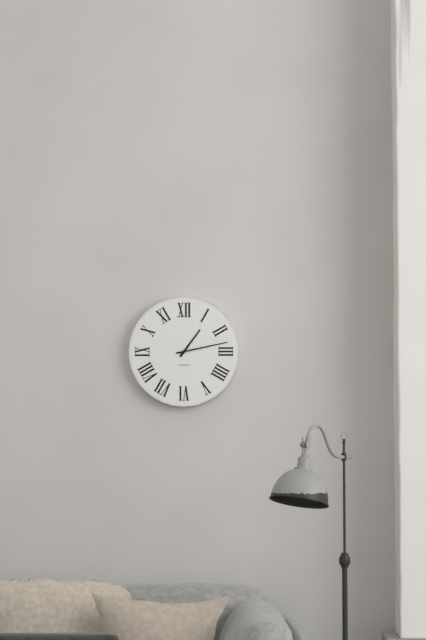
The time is **1:13**
